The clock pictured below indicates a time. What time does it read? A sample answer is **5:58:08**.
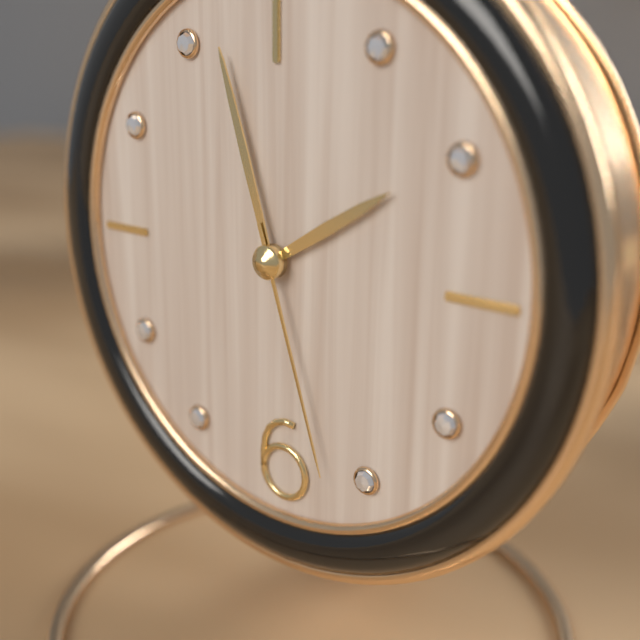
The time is **1:57:27**
